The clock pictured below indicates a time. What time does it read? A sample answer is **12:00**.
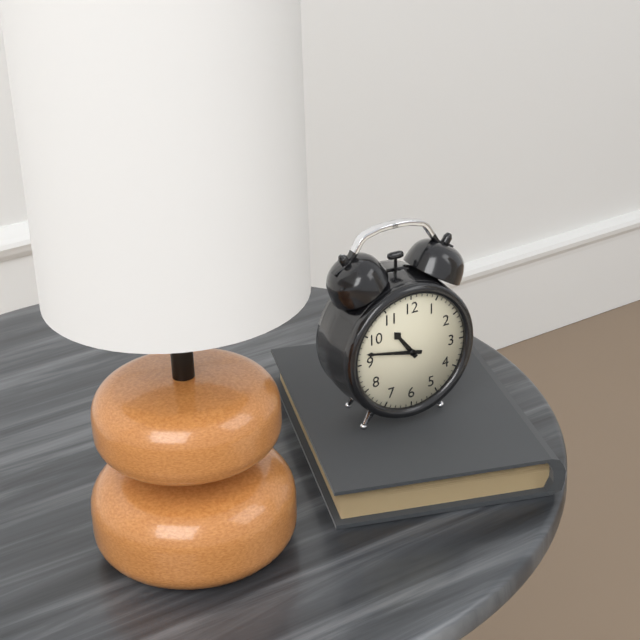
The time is **10:47**
